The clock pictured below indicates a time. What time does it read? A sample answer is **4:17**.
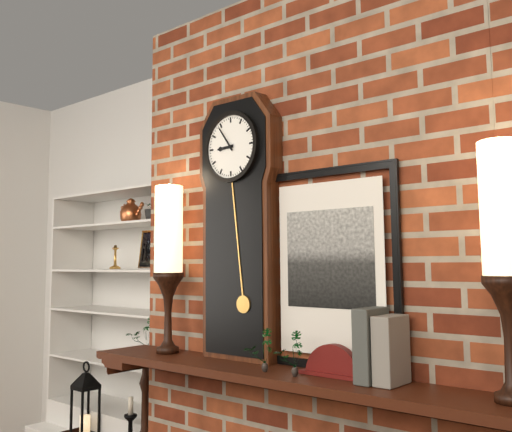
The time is **8:54**
